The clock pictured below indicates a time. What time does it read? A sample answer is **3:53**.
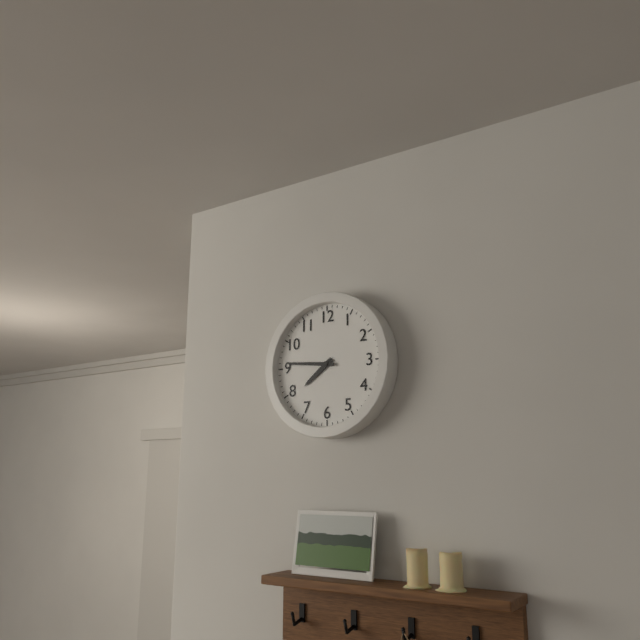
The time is **7:46**
